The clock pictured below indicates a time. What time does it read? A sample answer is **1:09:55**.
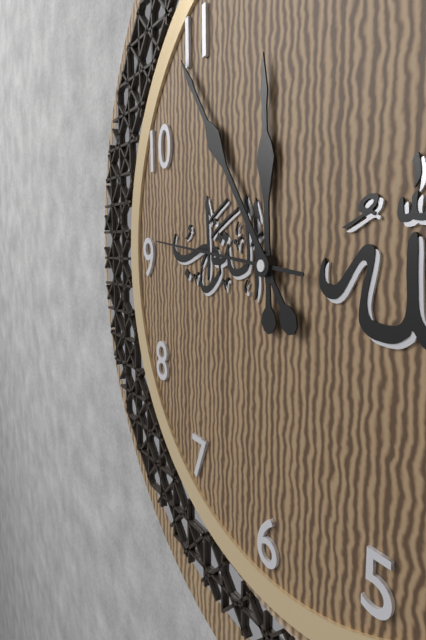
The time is **11:54:46**
